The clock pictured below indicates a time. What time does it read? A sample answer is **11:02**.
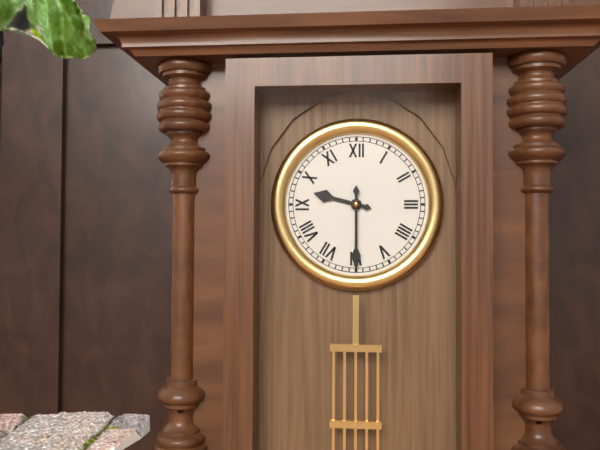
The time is **9:30**
